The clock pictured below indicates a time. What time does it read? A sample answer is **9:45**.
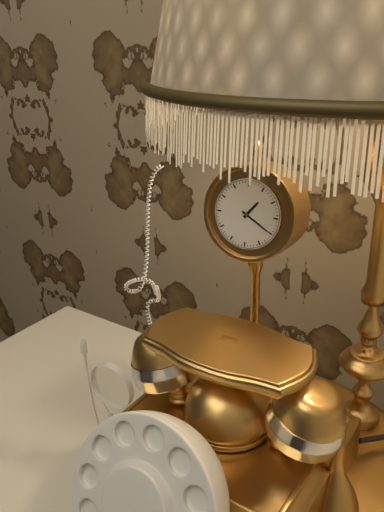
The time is **1:20**
